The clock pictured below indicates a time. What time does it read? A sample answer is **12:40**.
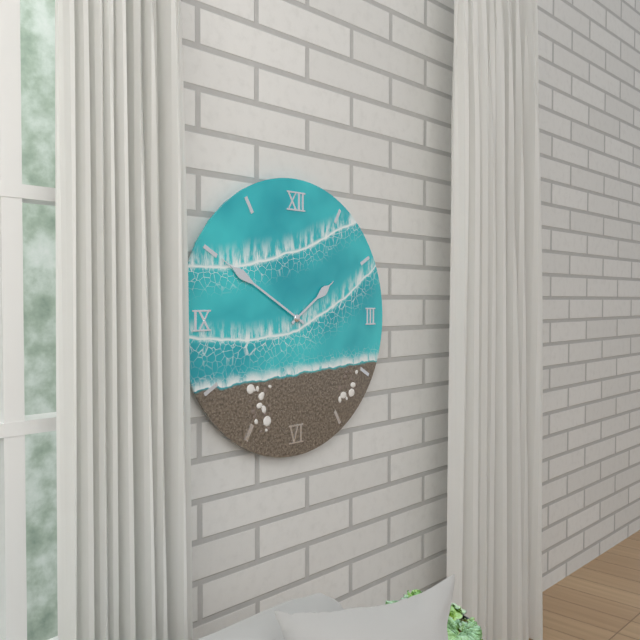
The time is **1:50**
